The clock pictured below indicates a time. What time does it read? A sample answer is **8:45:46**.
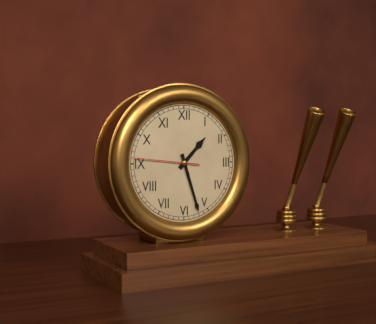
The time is **1:27:46**
